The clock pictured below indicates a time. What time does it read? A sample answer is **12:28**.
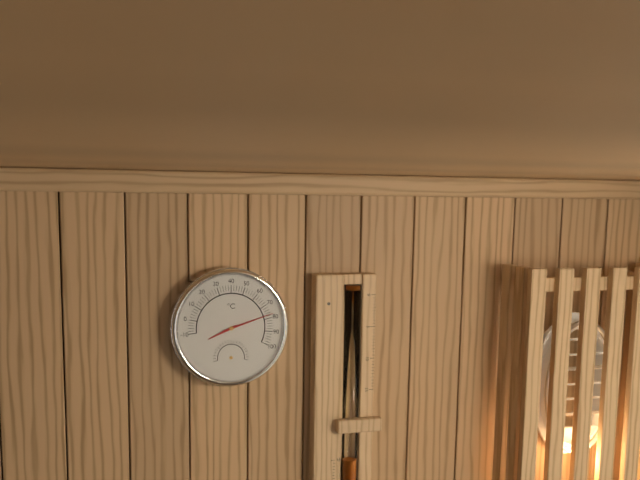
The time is **8:12**
